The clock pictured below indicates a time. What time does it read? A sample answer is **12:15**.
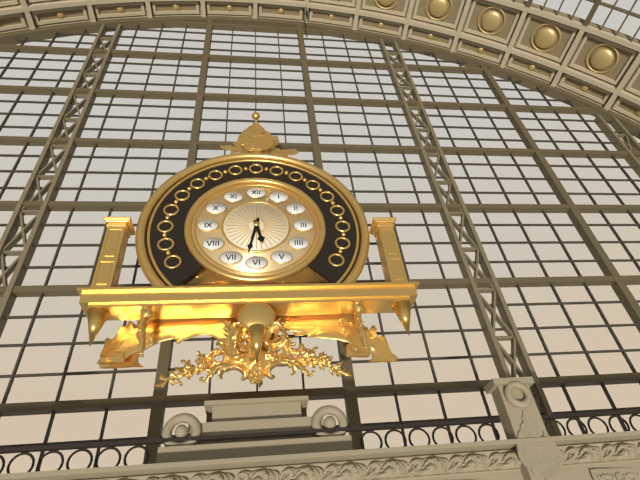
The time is **5:32**
